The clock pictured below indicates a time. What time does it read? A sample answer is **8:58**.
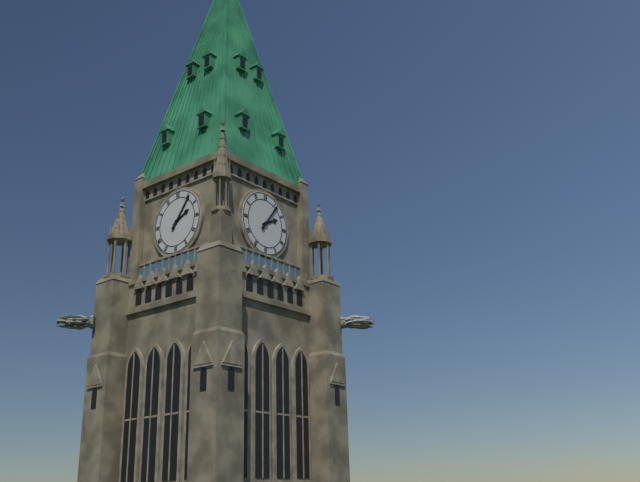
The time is **2:06**
